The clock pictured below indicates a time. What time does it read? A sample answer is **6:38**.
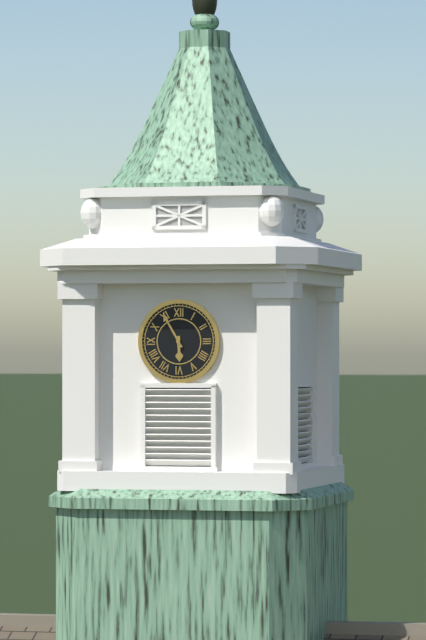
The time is **5:55**
